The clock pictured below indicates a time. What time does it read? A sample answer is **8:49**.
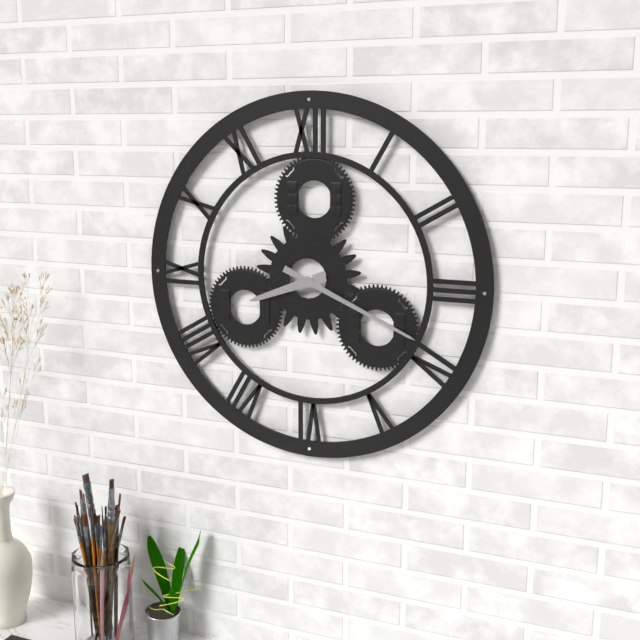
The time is **8:19**
